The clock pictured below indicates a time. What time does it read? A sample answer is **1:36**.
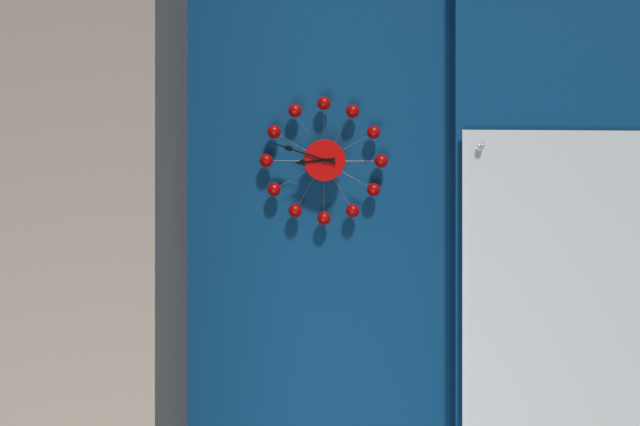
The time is **8:48**
